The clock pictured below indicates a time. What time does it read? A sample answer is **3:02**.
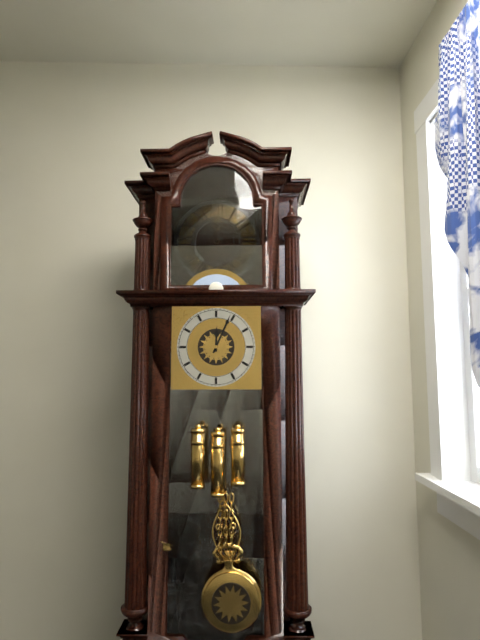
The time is **12:04**
